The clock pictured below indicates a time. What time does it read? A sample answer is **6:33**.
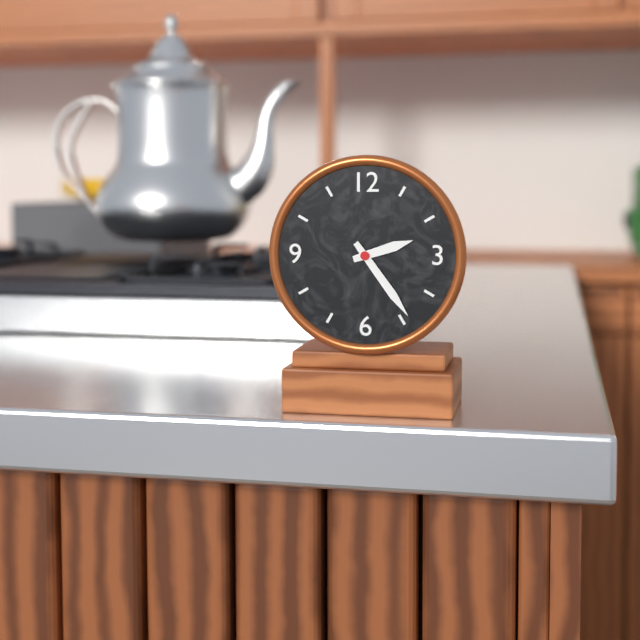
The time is **2:24**
